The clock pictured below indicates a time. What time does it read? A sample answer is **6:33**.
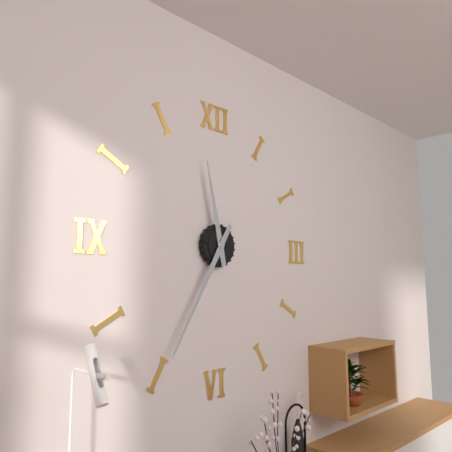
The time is **11:35**
